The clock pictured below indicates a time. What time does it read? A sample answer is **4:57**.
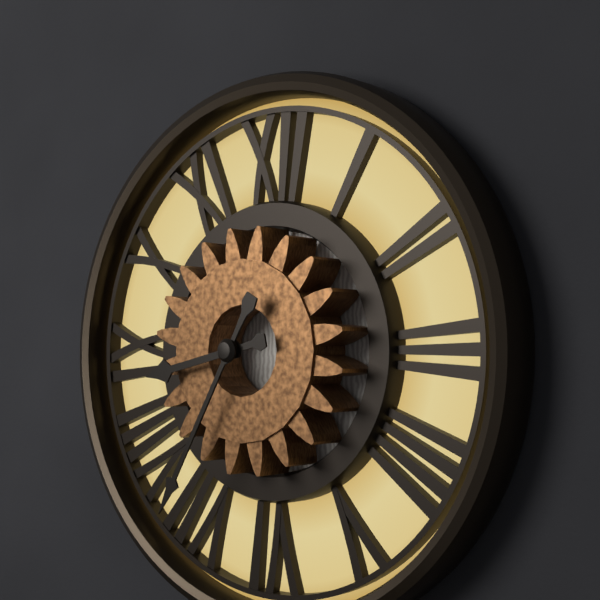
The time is **8:35**
